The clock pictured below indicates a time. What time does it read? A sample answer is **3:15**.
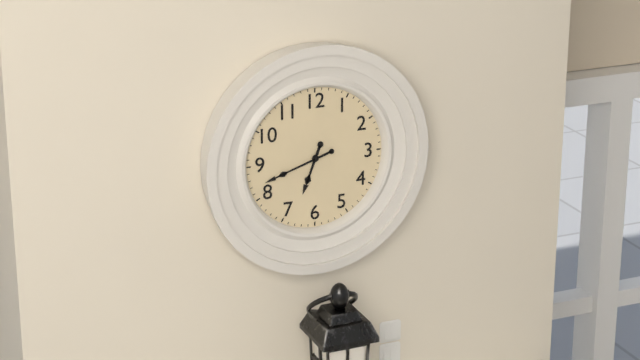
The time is **6:42**
